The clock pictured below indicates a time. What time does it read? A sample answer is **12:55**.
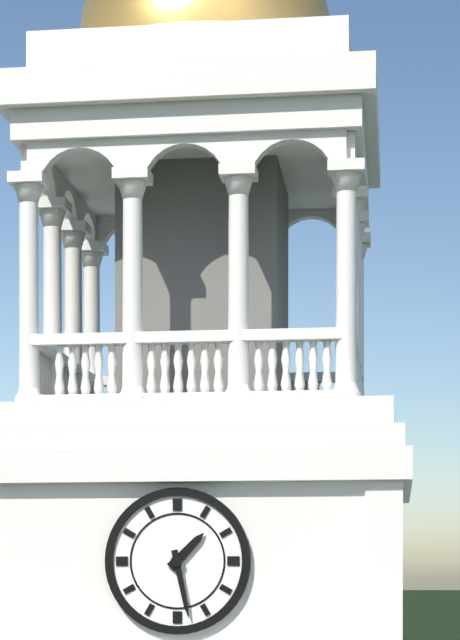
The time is **1:28**
